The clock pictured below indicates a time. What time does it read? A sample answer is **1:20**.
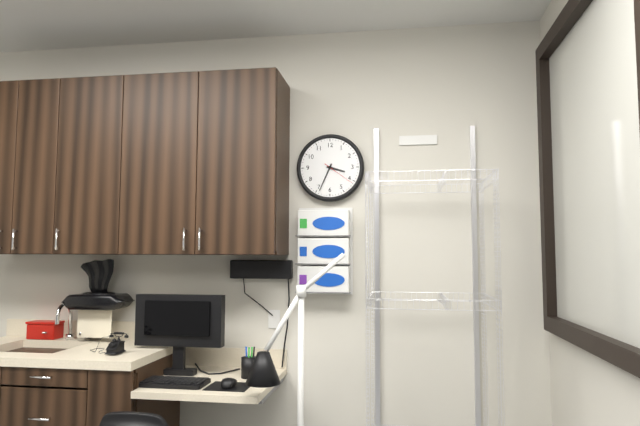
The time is **3:34**
